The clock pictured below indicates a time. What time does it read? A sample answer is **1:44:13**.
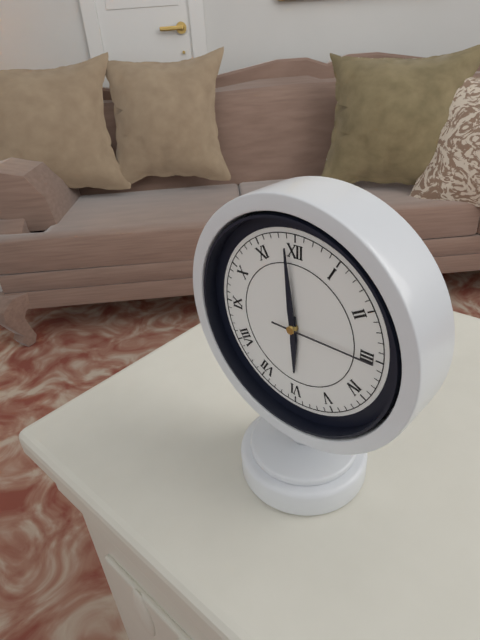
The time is **5:59:15**
